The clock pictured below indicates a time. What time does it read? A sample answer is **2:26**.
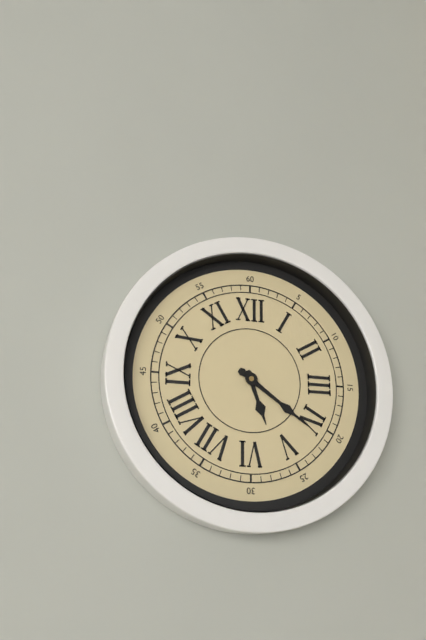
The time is **5:21**
